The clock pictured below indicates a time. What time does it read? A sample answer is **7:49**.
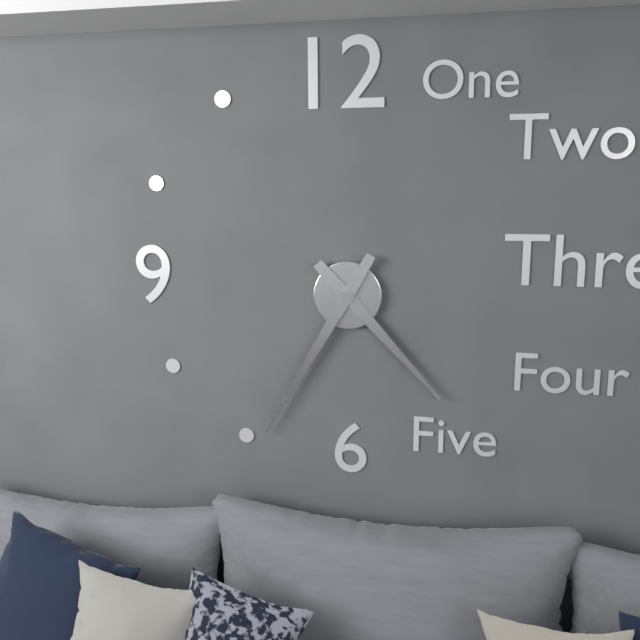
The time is **4:35**
